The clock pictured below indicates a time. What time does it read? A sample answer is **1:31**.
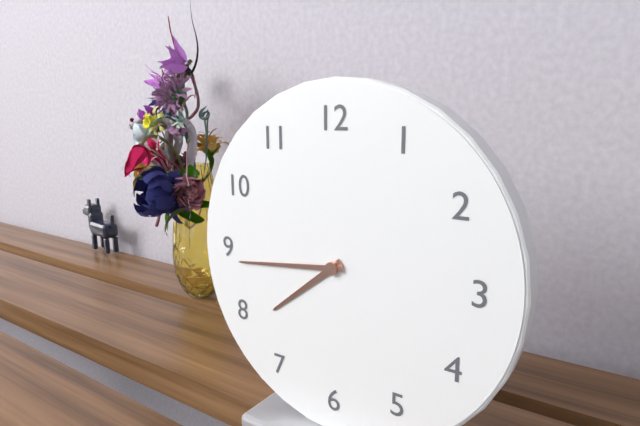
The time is **7:44**
